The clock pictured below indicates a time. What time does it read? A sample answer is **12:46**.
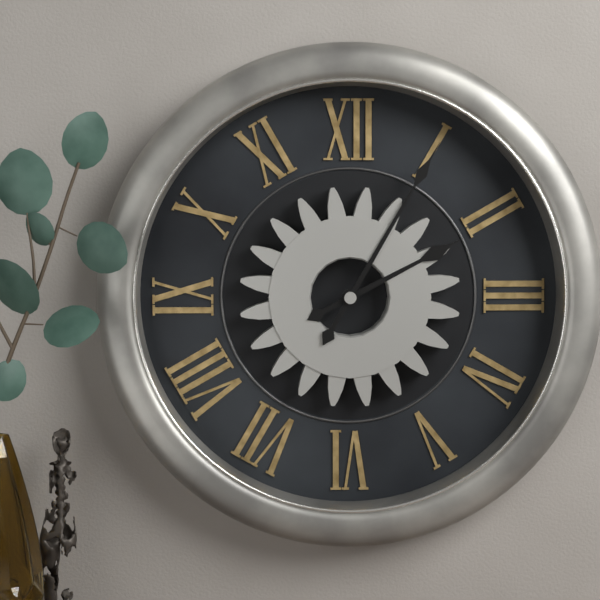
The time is **2:05**
